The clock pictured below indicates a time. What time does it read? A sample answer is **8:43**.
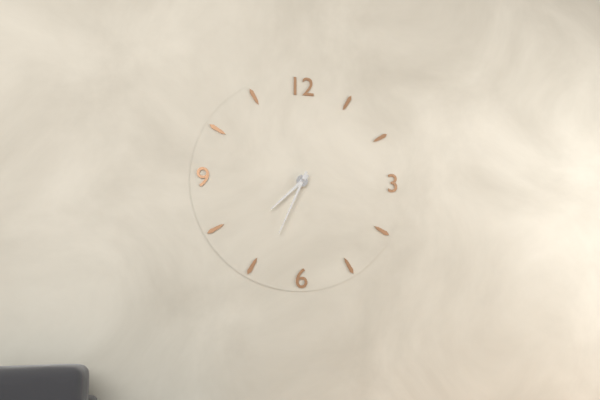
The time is **7:34**
